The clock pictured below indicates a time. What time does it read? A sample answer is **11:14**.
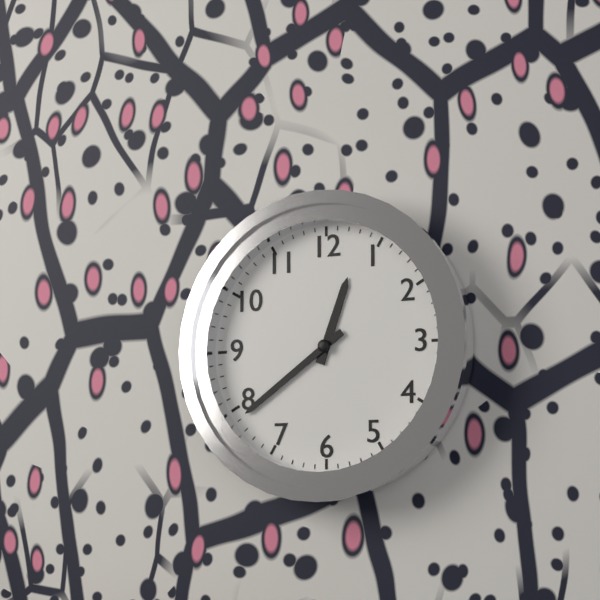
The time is **12:39**
